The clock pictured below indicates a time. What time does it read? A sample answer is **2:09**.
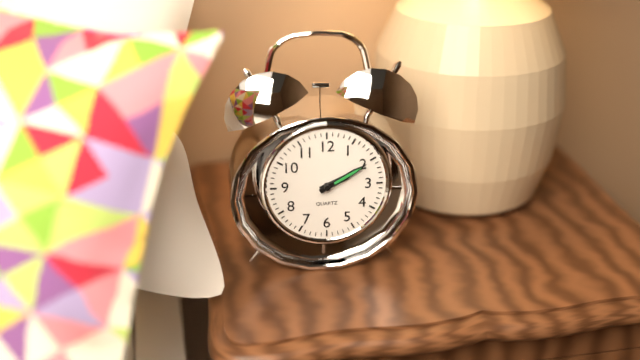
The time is **2:10**
